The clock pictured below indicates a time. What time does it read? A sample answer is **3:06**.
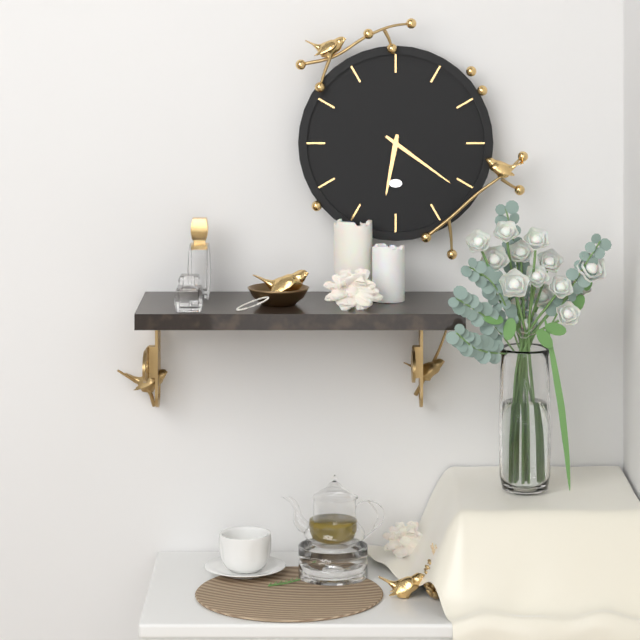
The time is **6:21**
